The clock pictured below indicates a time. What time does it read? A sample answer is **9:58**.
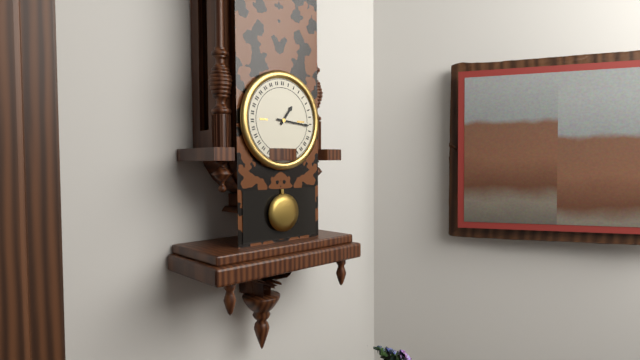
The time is **1:16**
